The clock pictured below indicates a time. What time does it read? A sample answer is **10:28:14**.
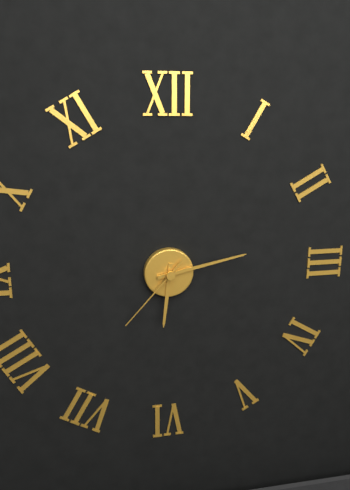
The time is **6:13:37**
